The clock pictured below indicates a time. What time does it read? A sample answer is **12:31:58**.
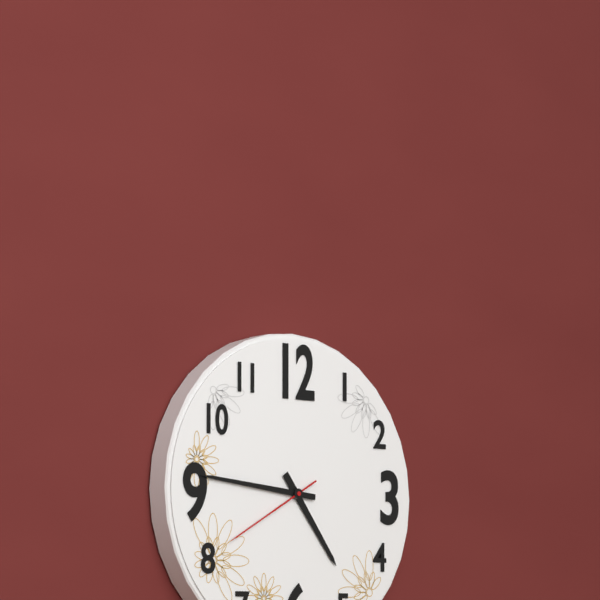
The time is **4:46:40**
